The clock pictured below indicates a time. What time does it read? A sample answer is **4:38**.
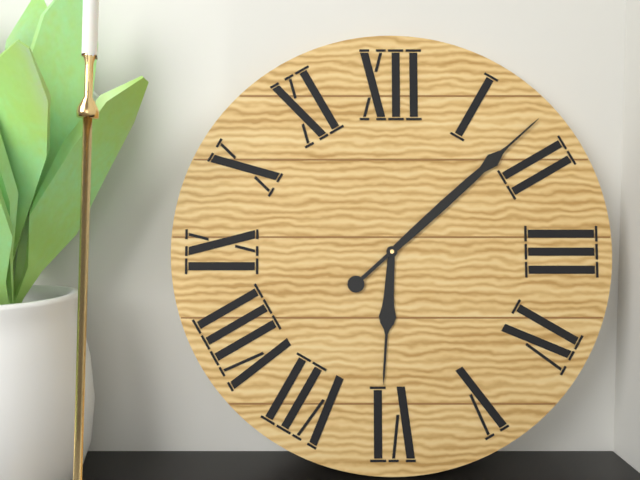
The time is **6:08**
